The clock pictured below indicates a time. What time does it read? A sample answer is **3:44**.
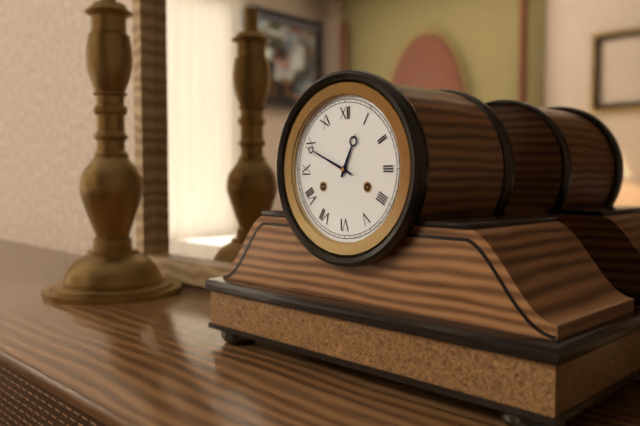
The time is **12:49**
